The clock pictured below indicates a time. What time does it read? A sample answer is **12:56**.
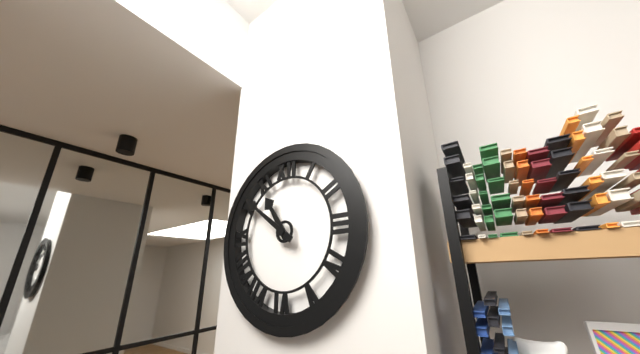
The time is **10:51**
